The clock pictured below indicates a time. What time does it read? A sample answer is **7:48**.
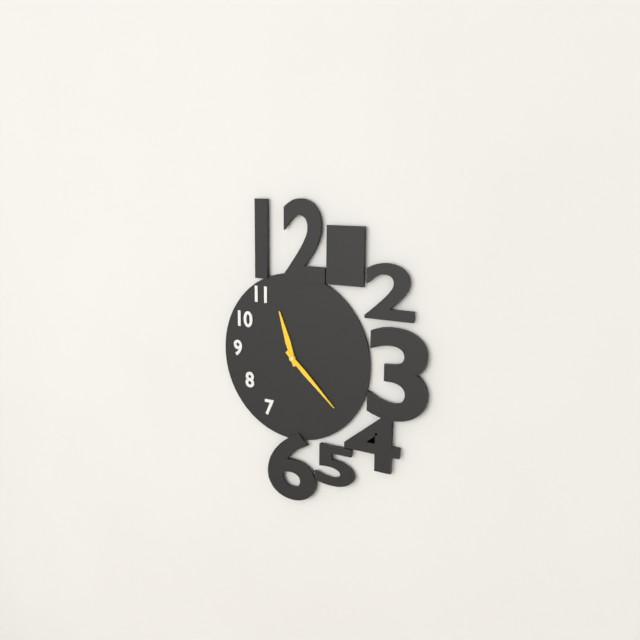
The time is **11:22**
